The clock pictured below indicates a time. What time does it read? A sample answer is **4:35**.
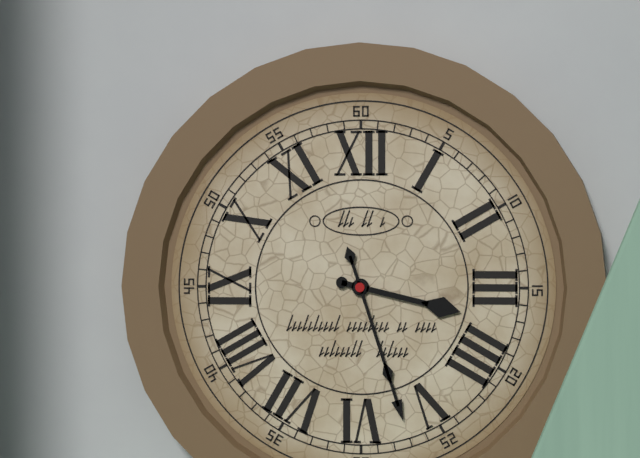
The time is **3:27**
